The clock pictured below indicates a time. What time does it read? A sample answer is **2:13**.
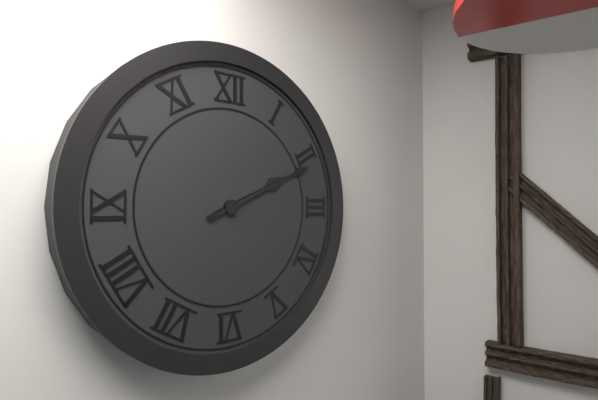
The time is **2:11**
